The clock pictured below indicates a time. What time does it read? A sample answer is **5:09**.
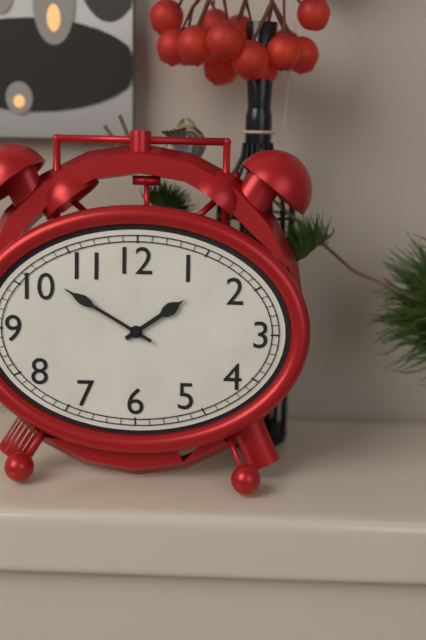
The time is **1:50**
